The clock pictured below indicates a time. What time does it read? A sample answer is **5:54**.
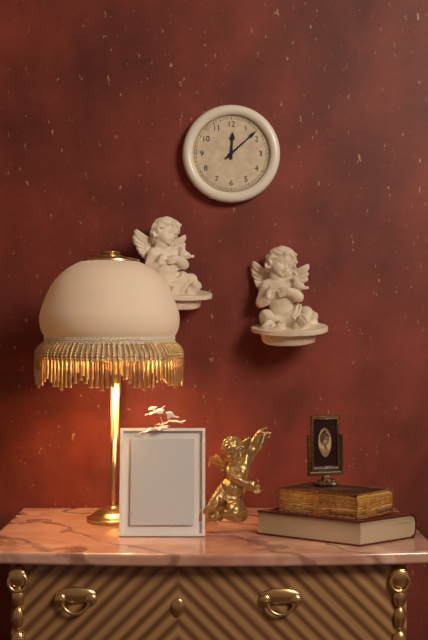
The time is **12:08**
